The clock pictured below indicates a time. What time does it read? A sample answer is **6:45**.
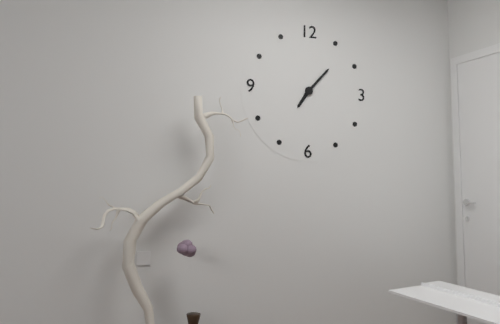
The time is **7:07**
